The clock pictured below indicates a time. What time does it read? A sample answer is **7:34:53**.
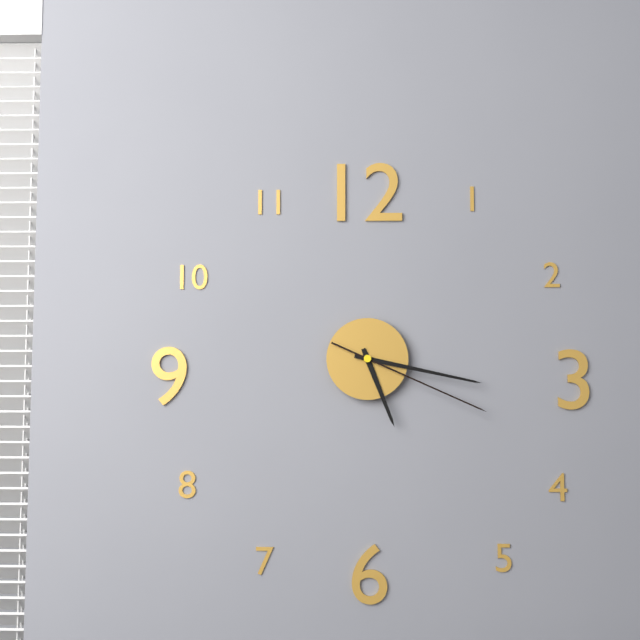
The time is **5:17:19**
